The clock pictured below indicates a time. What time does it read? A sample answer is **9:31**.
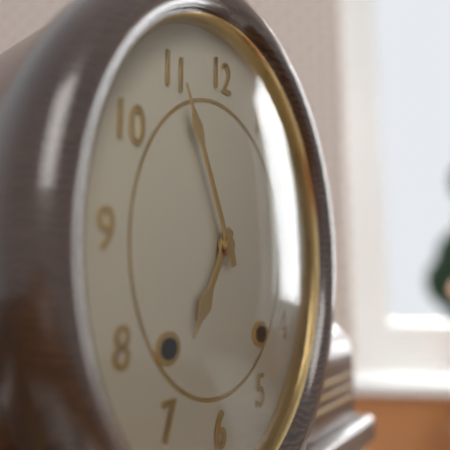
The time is **6:56**
